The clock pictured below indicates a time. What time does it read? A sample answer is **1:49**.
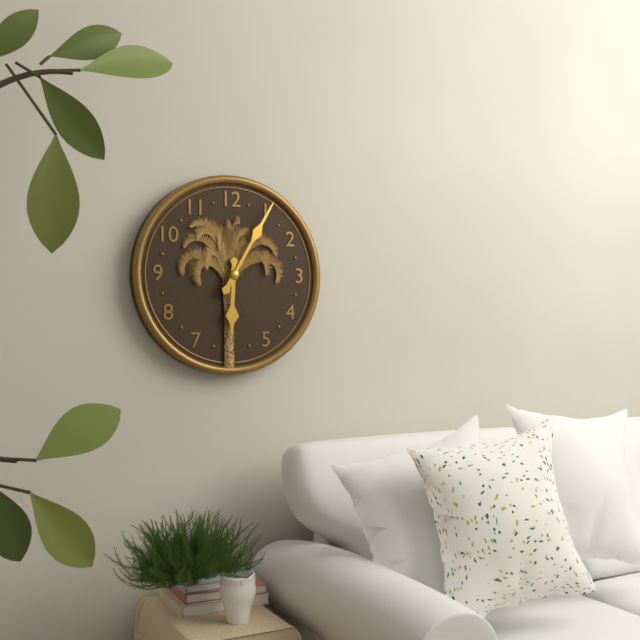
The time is **6:05**
